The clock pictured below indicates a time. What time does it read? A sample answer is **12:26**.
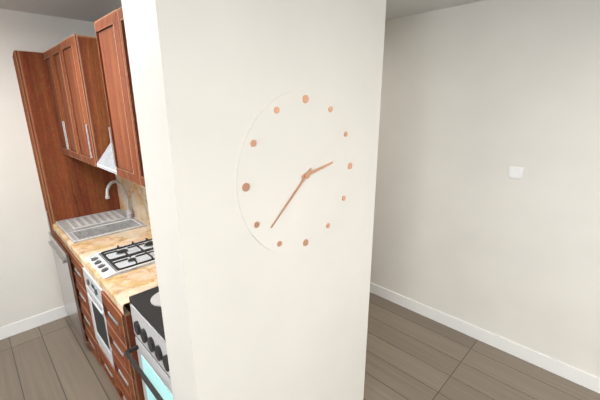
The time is **2:38**
